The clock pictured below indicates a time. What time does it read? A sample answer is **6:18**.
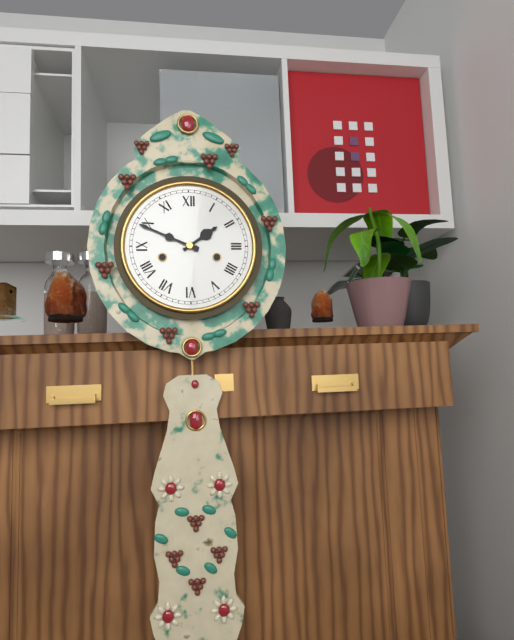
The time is **1:49**
